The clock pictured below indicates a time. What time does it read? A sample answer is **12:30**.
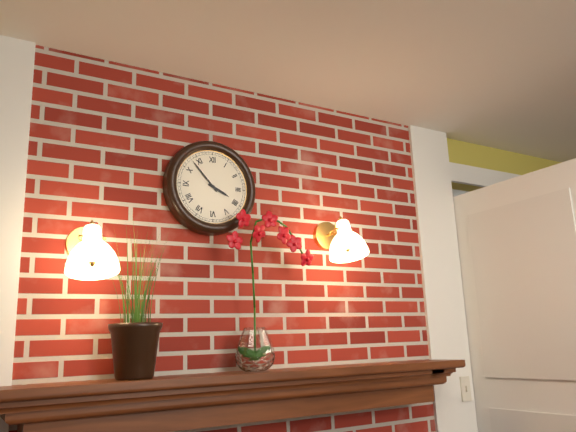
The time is **3:53**
